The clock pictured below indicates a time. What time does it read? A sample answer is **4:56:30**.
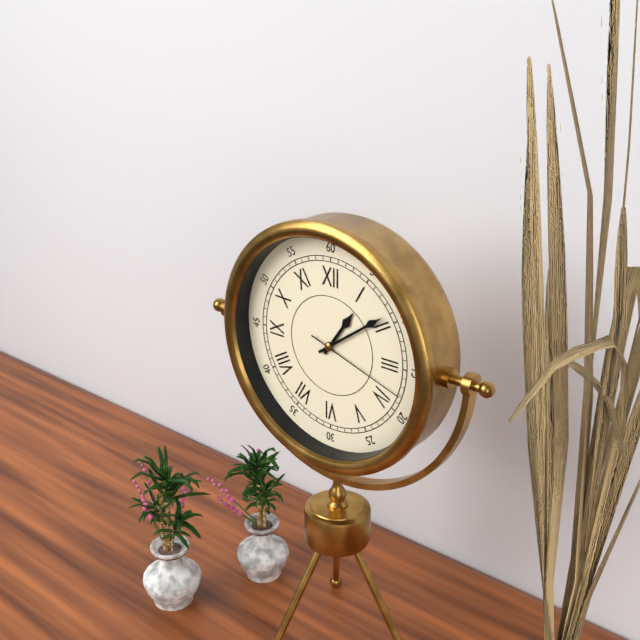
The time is **1:09:18**
